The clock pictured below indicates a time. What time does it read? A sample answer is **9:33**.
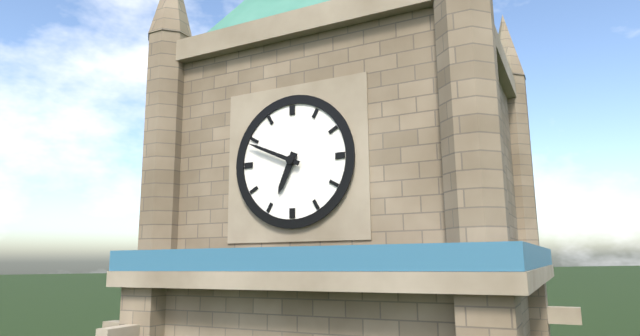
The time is **6:49**
